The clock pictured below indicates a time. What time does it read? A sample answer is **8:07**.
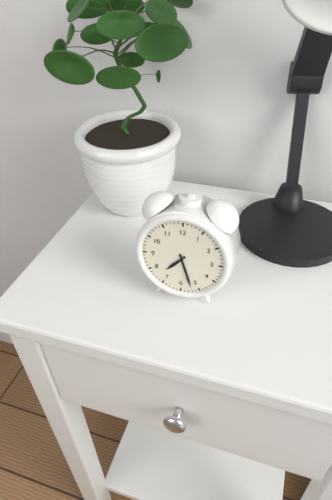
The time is **7:27**
